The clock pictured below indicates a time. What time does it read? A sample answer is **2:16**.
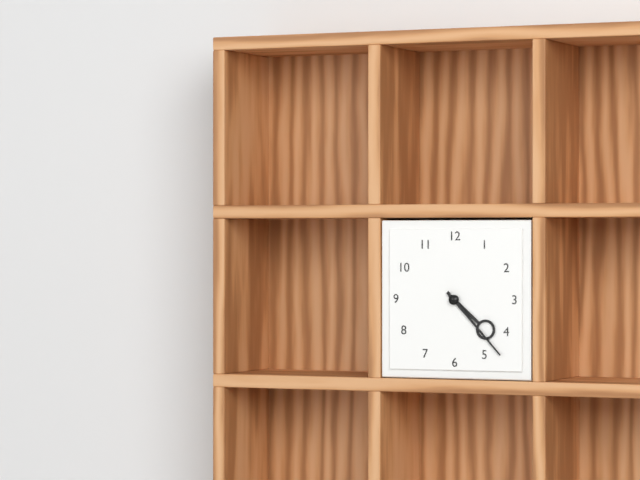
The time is **4:23**
